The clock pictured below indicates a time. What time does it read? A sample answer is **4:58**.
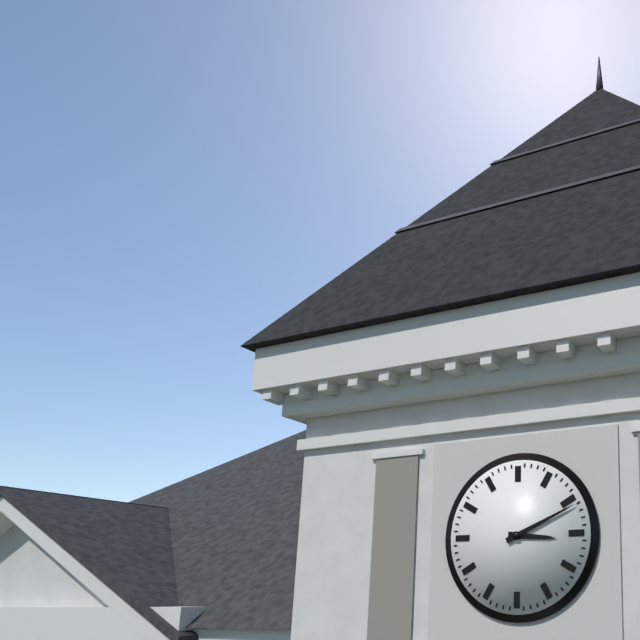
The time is **3:11**
